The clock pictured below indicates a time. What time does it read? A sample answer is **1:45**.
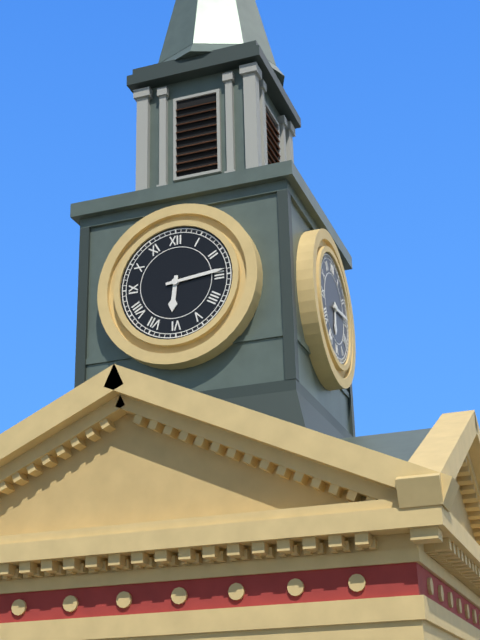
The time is **6:14**
